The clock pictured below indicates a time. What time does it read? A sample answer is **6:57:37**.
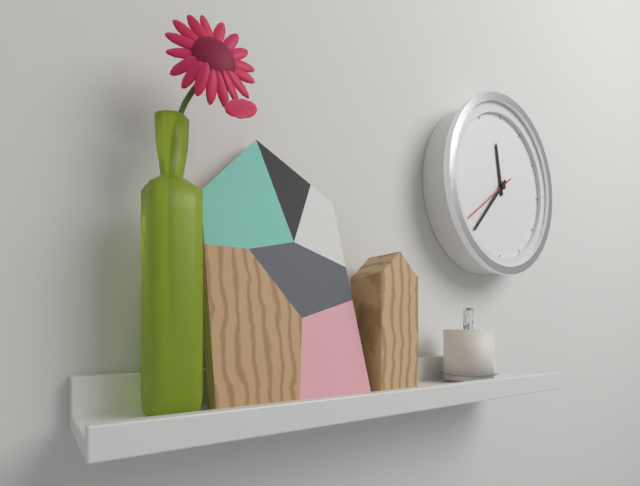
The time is **11:37:39**
